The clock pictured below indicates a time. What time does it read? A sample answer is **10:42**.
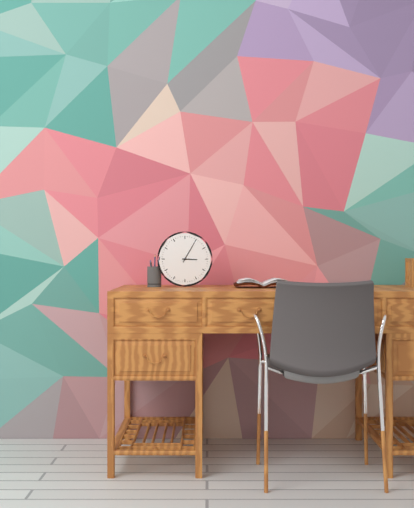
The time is **3:05**
